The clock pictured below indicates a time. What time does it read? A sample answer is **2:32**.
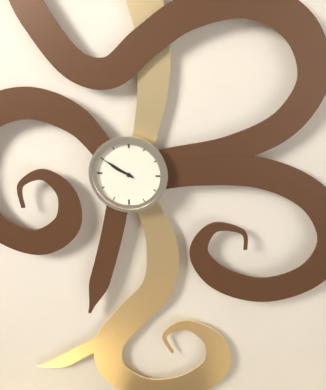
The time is **9:50**
